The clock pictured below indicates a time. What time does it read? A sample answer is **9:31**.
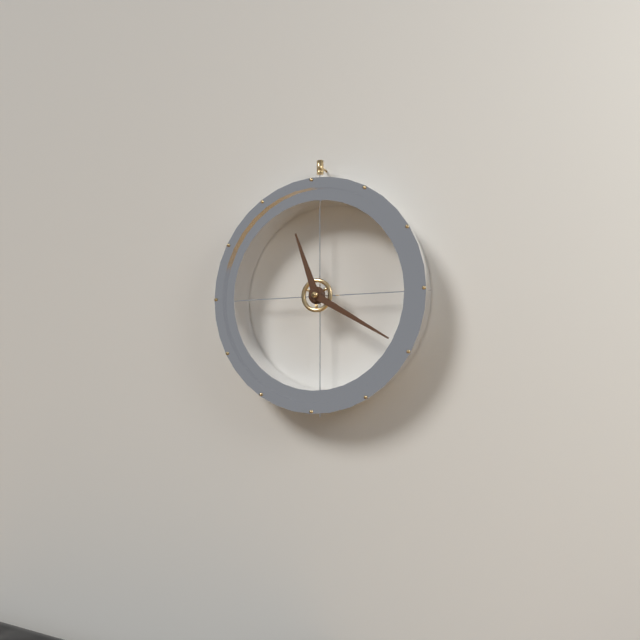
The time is **11:20**
